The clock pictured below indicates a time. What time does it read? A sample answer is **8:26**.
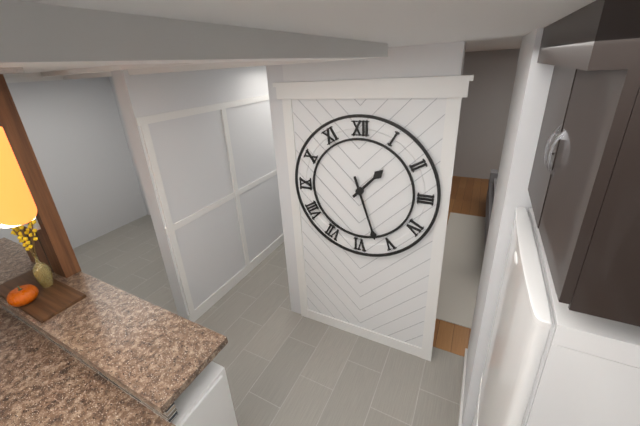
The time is **1:27**
